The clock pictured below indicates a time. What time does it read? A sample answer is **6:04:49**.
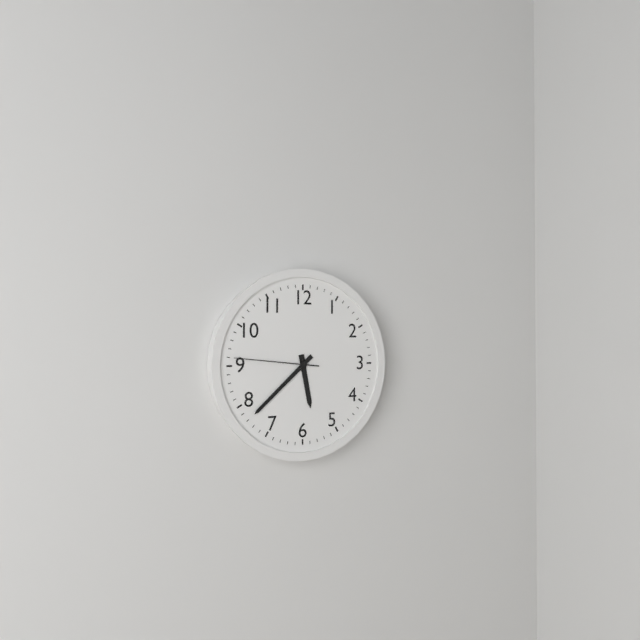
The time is **5:38:46**
